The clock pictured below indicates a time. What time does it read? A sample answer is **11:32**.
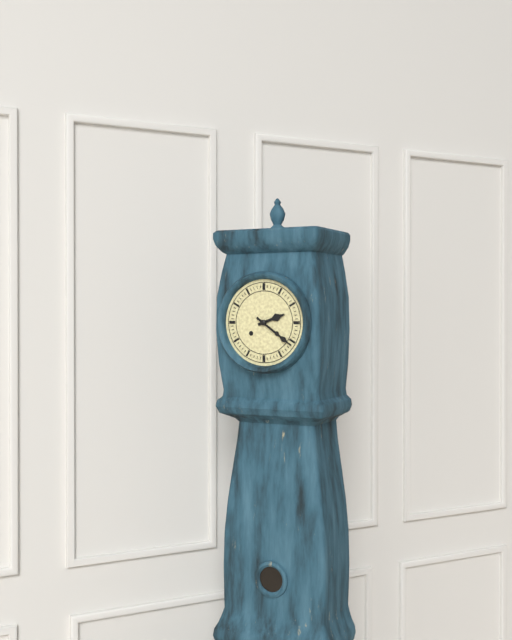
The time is **2:21**
